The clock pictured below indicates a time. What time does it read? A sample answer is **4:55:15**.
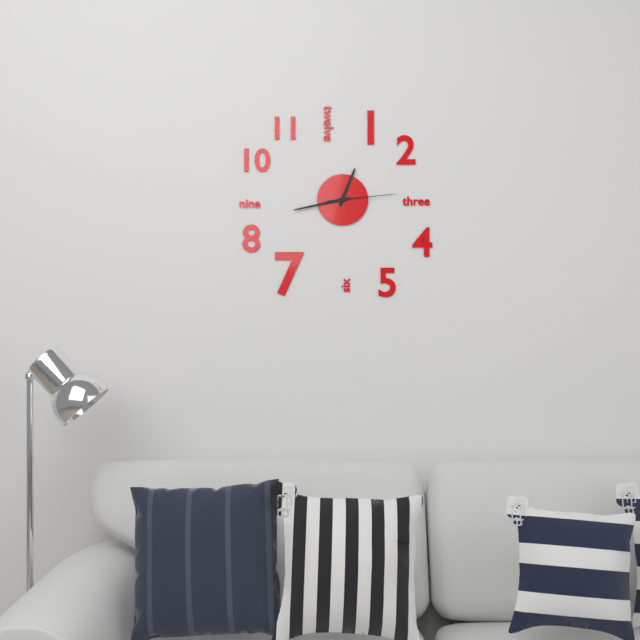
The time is **12:43:14**
